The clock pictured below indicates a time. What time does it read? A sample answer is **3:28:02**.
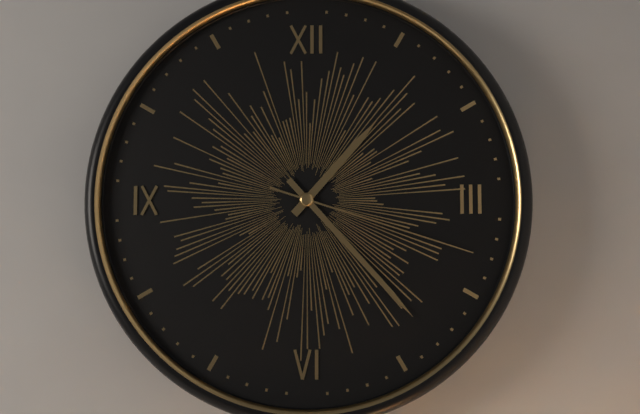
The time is **1:23:18**
